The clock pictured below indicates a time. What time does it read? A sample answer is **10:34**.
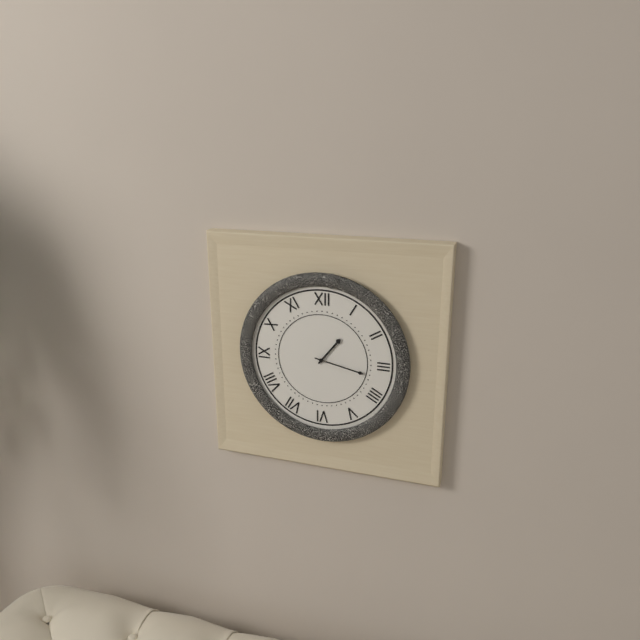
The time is **1:17**
